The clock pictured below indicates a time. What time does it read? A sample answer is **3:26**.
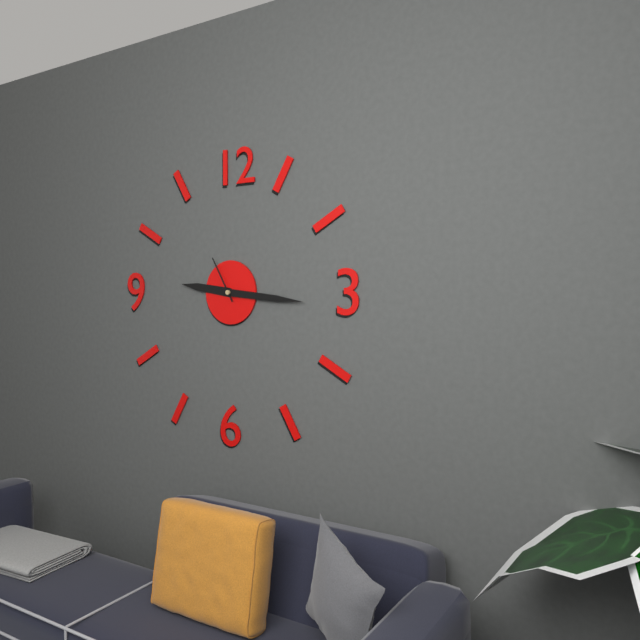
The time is **9:16**
